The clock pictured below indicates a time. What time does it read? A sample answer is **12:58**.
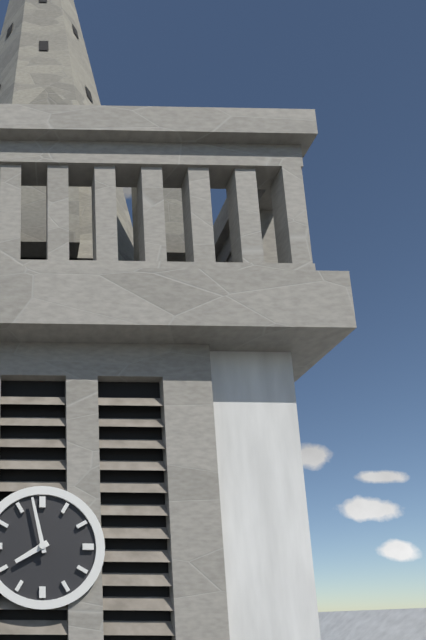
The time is **7:58**
